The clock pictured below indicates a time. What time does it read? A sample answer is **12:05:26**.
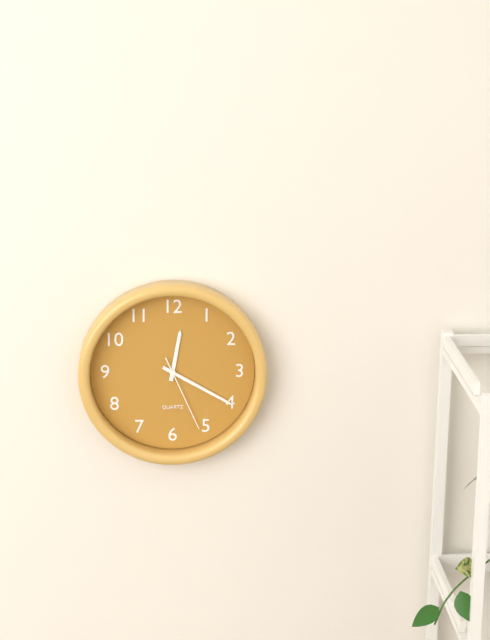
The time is **12:20:26**
